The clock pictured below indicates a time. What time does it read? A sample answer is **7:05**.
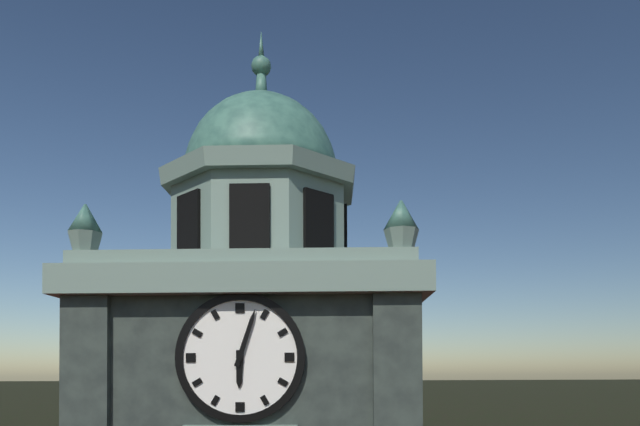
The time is **6:03**
